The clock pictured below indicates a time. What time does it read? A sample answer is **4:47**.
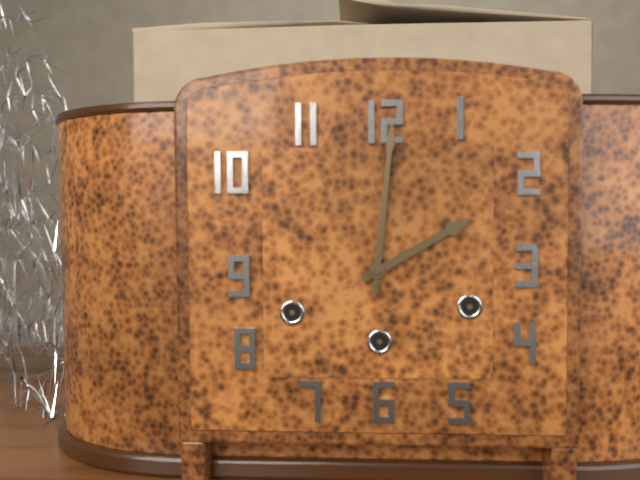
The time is **2:01**
